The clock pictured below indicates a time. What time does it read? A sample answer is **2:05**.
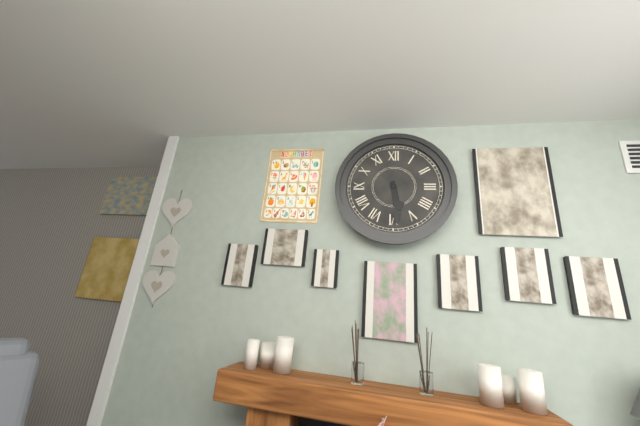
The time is **5:29**
